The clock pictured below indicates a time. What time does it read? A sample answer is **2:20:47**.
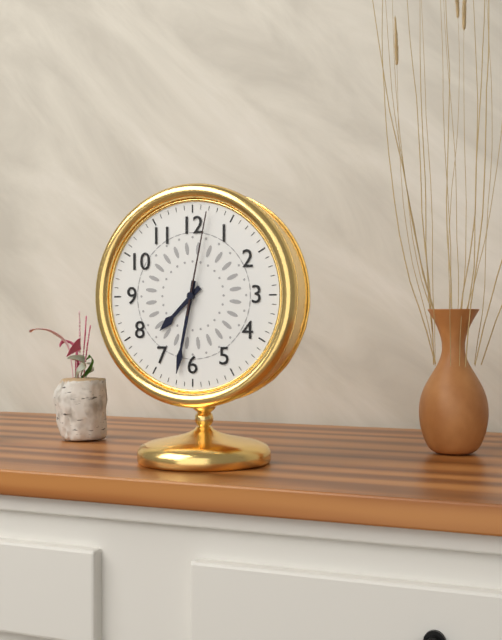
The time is **7:32:02**
